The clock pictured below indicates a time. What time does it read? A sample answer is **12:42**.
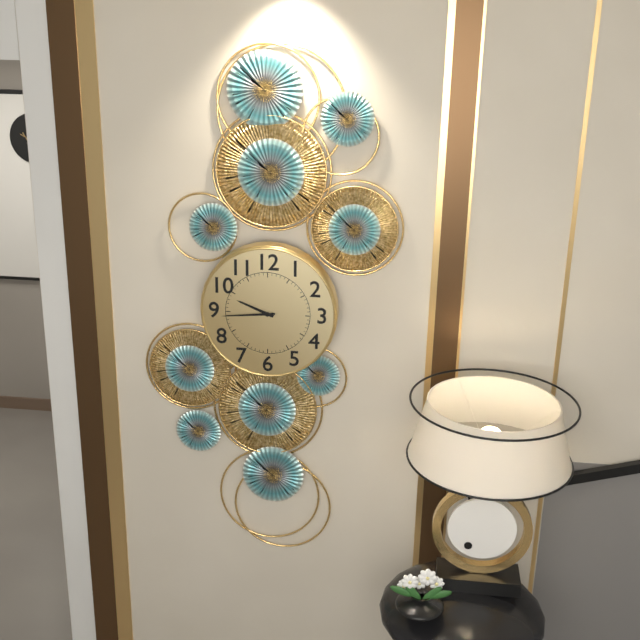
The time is **9:44**
